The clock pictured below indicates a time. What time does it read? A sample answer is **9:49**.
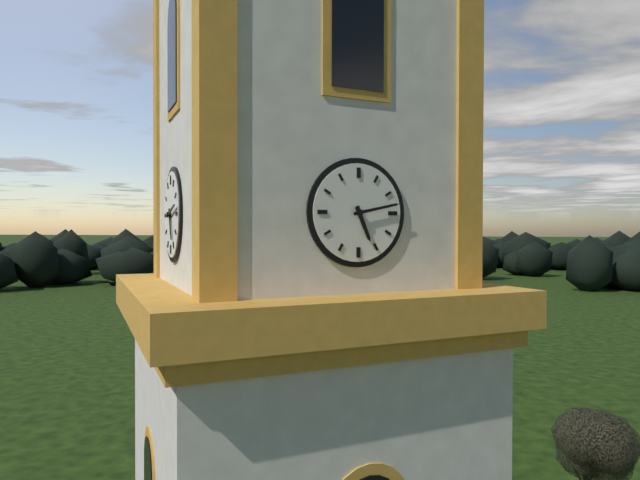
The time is **5:13**
